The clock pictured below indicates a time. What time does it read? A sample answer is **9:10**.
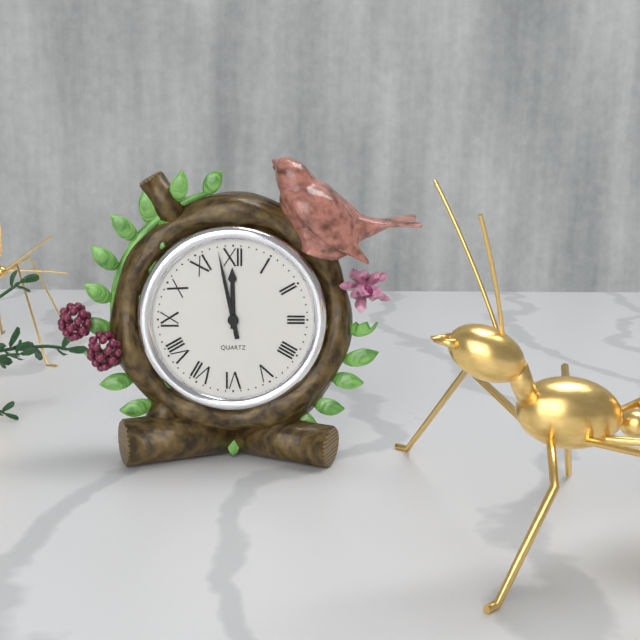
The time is **11:58**
